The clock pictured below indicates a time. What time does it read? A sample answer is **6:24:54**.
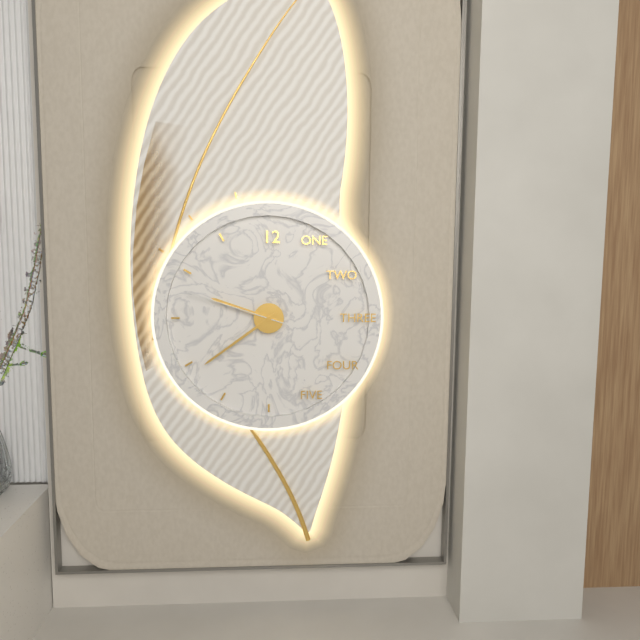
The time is **9:39:48**
